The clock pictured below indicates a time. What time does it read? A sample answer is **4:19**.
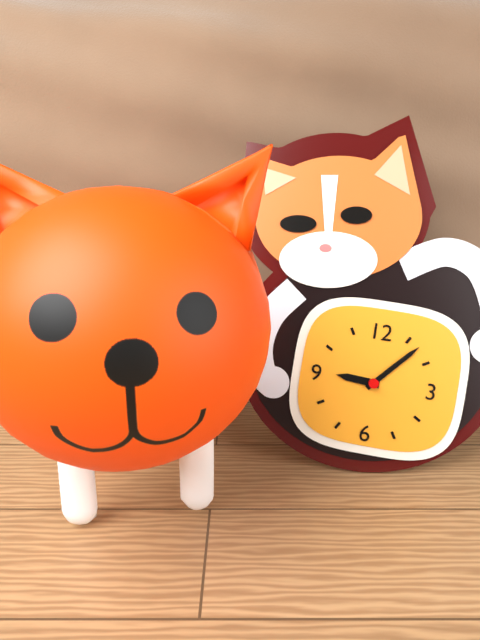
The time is **9:07**
